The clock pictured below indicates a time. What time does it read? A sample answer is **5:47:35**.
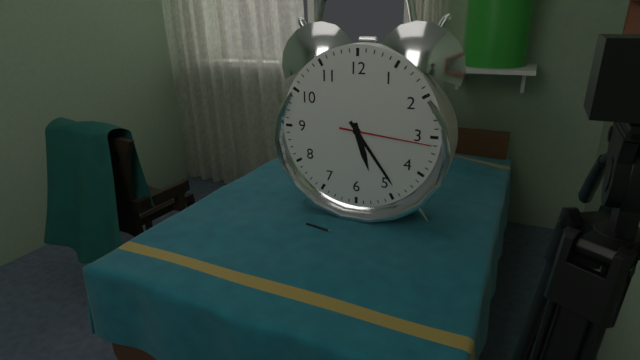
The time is **5:24:16**
